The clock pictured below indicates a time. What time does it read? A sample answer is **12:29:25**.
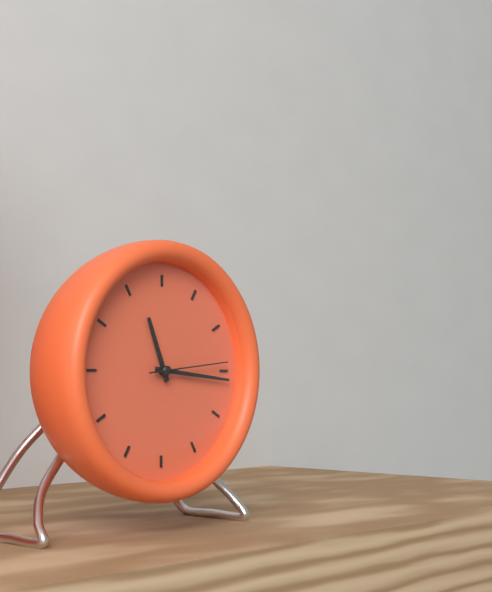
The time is **11:16:14**
